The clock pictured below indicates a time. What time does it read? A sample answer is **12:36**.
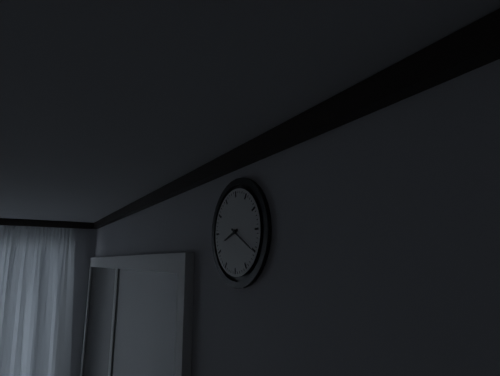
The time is **8:20**
